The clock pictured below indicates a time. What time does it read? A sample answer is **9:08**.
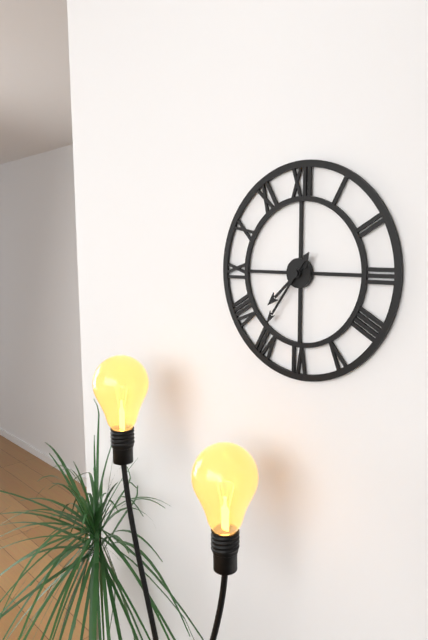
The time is **7:36**
